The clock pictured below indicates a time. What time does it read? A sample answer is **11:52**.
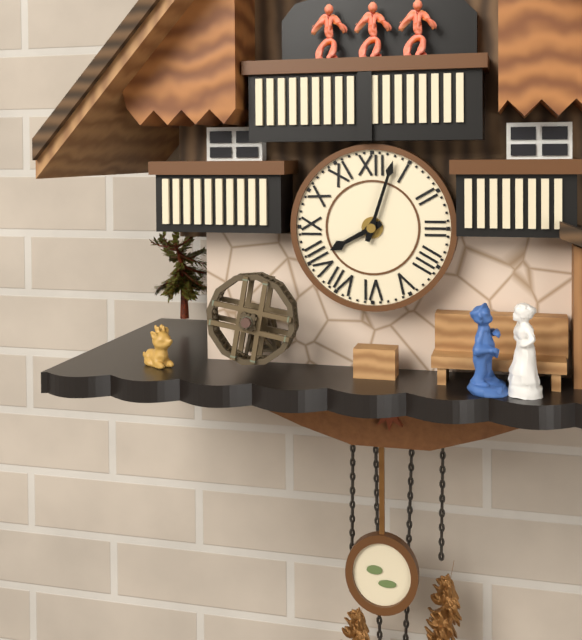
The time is **8:03**
